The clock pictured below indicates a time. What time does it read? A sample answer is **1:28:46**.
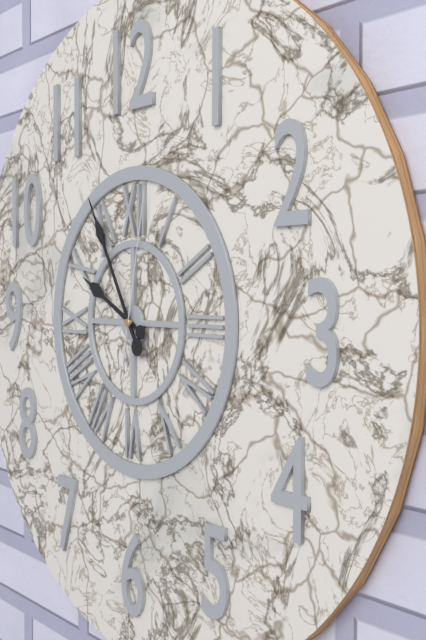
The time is **9:55:02**
